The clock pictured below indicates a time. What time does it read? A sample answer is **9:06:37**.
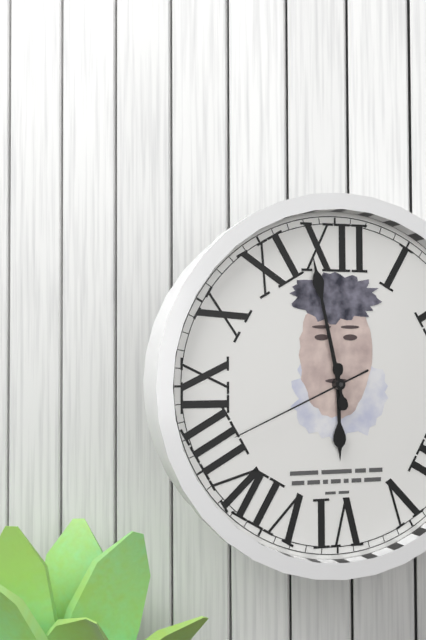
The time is **5:58:41**
